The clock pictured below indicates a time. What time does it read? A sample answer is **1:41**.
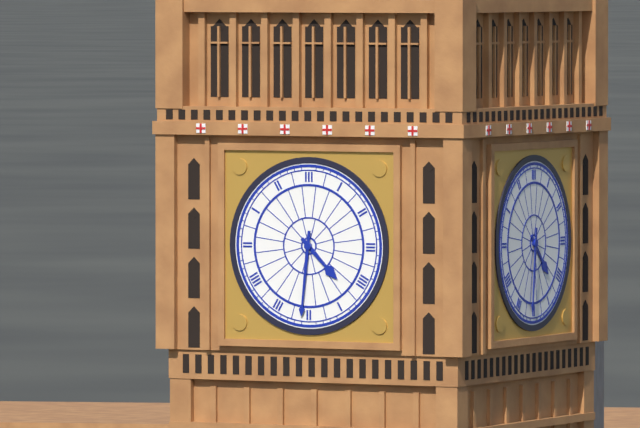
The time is **4:31**
